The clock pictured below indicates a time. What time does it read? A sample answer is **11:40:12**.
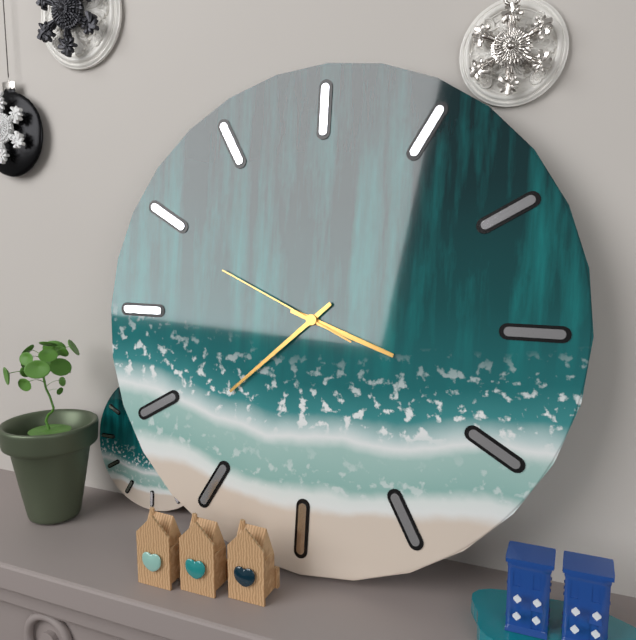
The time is **3:38:49**
